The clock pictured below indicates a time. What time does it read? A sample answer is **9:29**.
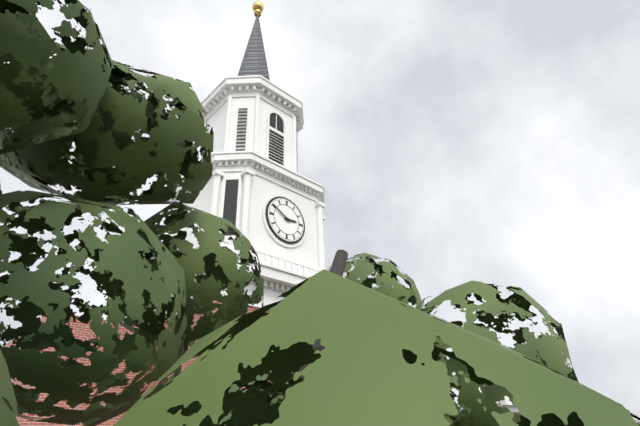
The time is **2:50**
